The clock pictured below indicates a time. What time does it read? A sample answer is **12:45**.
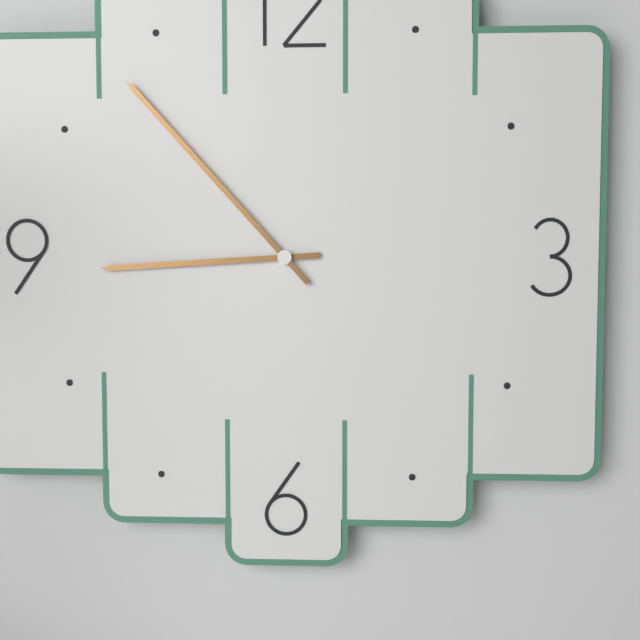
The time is **8:53**
